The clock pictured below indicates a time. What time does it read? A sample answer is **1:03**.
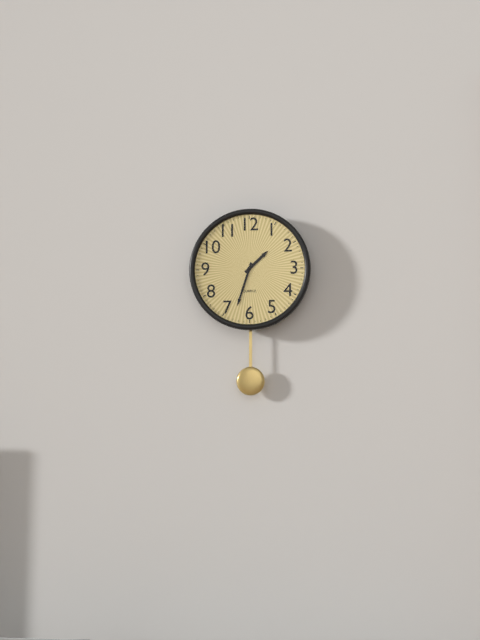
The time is **1:33**
